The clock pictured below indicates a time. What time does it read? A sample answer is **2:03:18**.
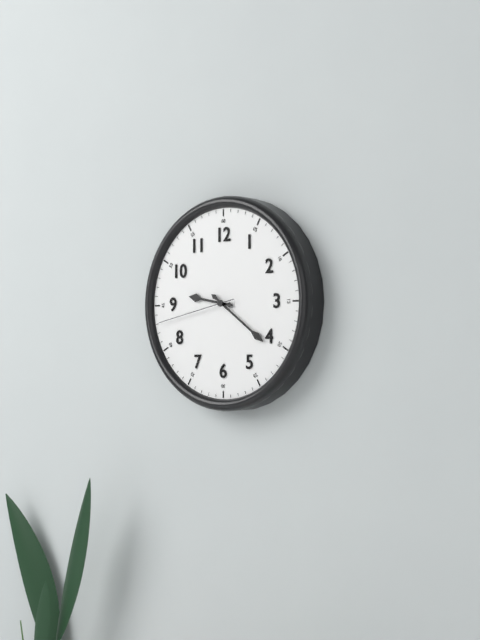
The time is **9:21:43**
